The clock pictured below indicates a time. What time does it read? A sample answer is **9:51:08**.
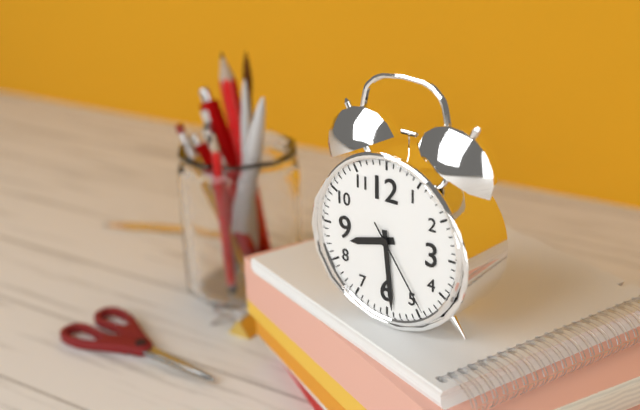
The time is **8:29:24**
